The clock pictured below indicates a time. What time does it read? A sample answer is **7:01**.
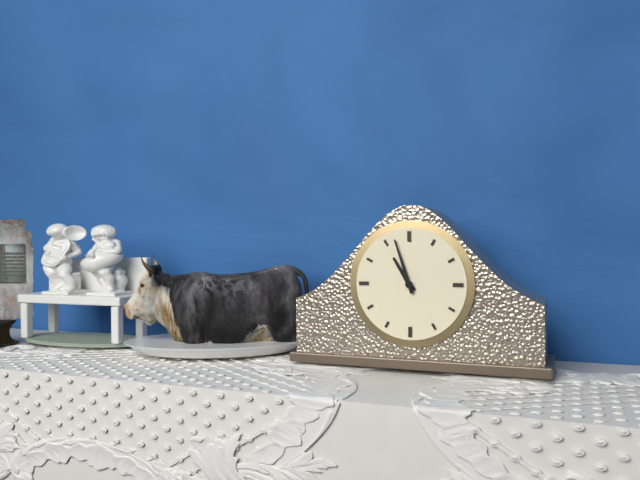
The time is **10:57**
